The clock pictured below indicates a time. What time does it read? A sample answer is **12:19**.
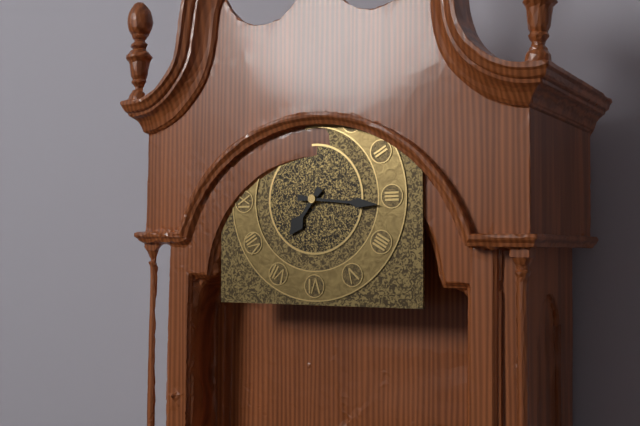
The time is **7:16**
